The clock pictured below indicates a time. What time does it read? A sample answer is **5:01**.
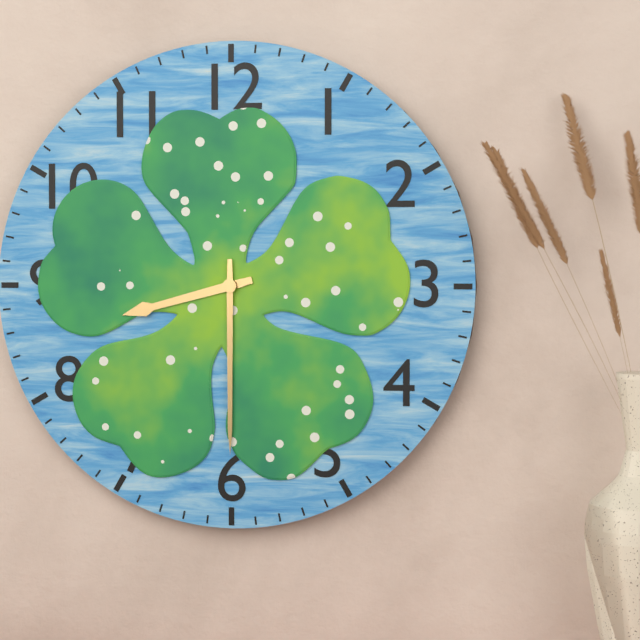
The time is **8:30**
